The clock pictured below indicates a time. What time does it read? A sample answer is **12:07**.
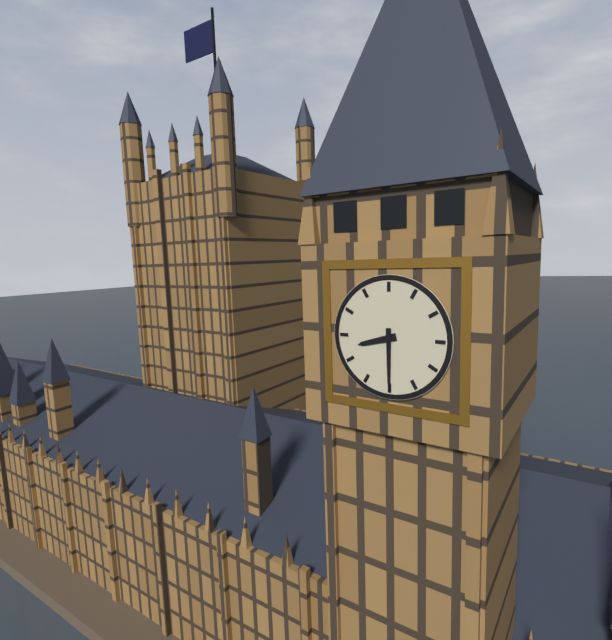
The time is **8:30**
